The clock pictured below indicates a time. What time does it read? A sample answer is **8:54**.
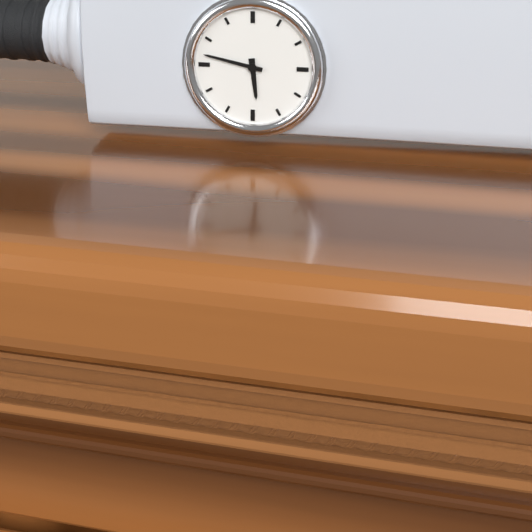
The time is **5:47**
